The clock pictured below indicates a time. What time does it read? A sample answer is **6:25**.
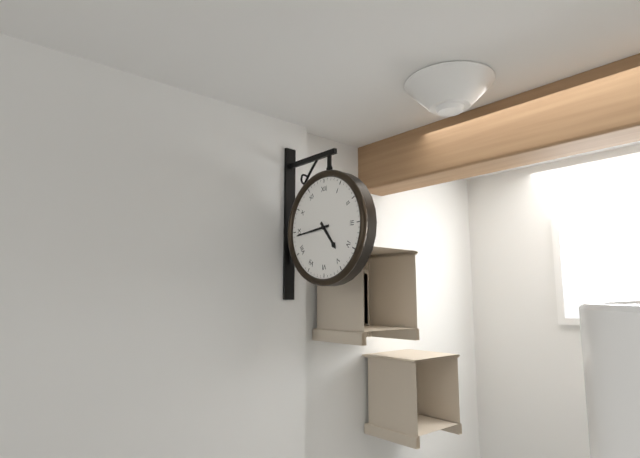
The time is **4:44**
